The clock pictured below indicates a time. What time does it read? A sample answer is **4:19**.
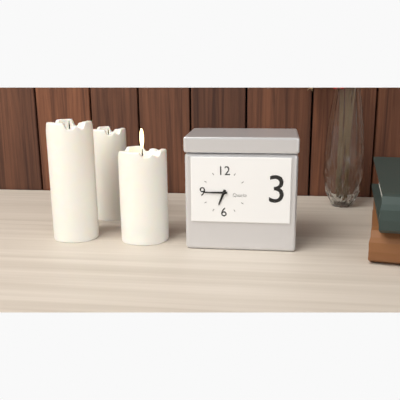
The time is **6:45**
